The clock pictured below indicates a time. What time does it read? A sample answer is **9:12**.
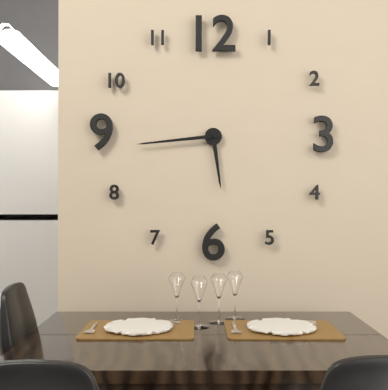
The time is **5:44**
